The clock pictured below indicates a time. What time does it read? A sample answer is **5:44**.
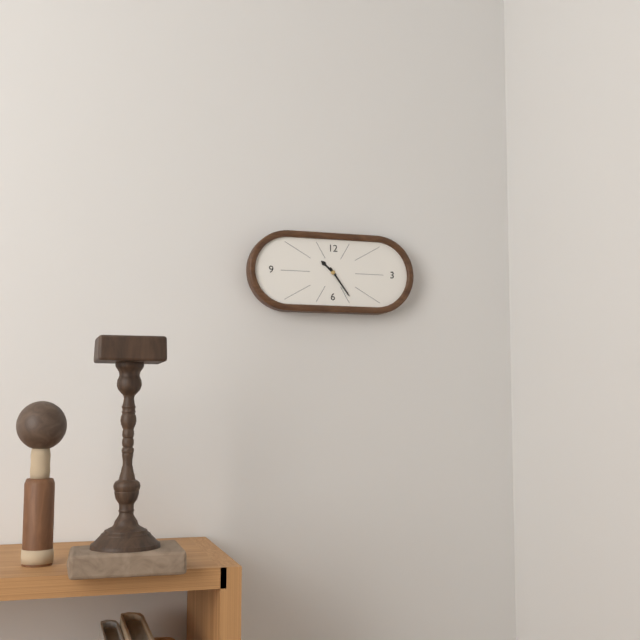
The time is **10:24**
